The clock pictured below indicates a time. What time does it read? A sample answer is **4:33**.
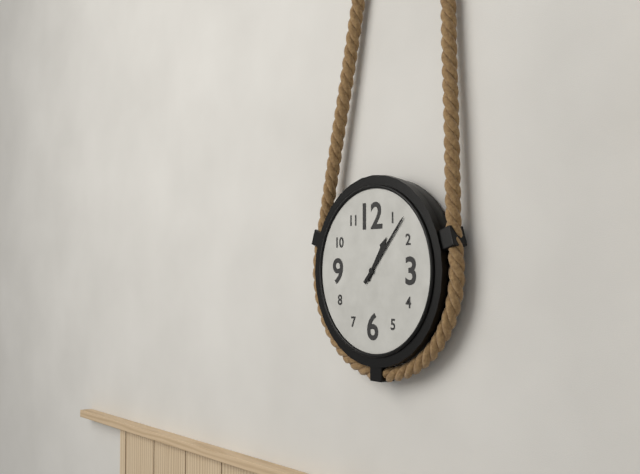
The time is **1:07**
